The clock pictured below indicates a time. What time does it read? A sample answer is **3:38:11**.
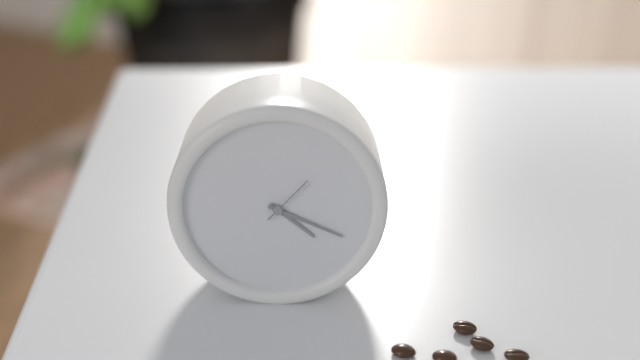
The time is **4:19:07**
